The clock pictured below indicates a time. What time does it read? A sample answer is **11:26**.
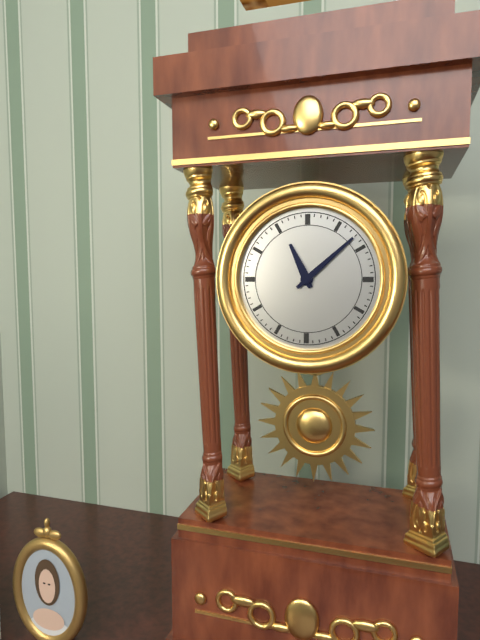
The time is **11:08**
